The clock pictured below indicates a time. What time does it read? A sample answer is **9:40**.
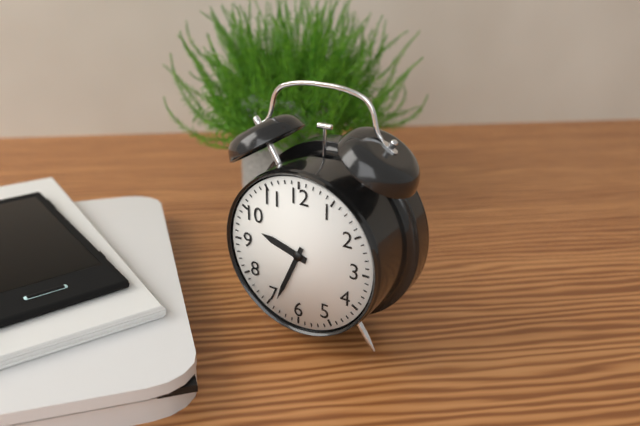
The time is **9:34**
